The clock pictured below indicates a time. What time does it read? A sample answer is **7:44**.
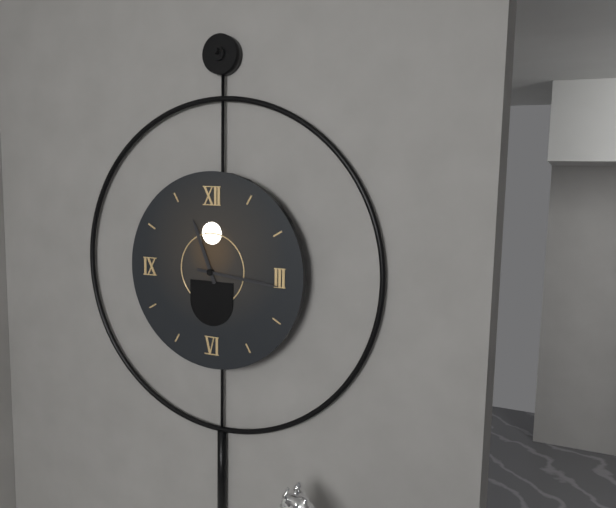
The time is **11:16**
